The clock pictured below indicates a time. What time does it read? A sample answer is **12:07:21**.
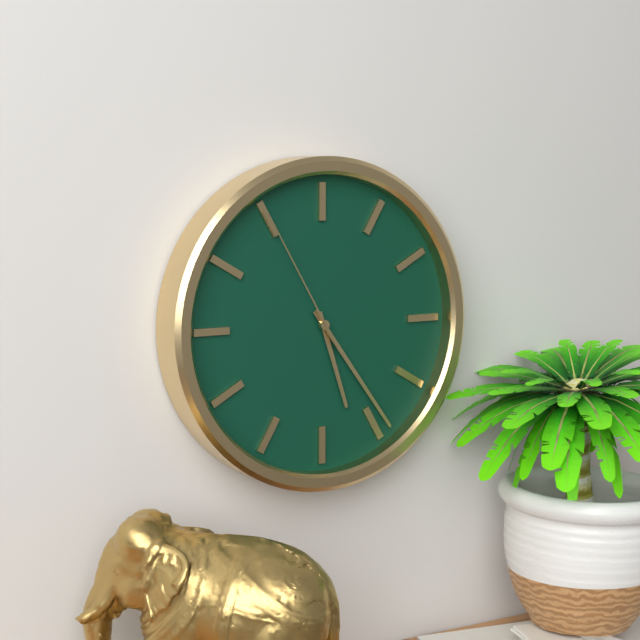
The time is **5:24:55**
